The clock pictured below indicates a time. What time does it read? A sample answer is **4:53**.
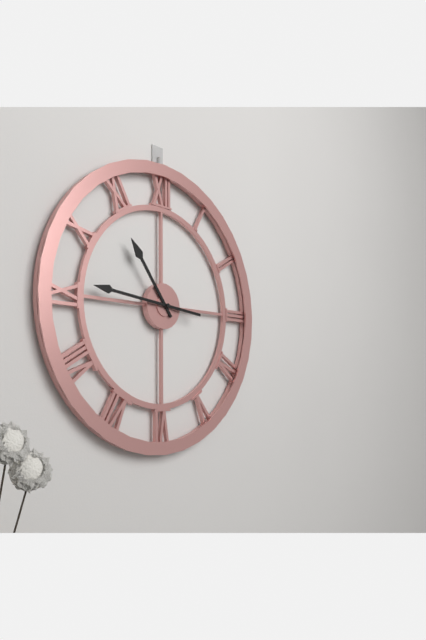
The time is **10:46**
